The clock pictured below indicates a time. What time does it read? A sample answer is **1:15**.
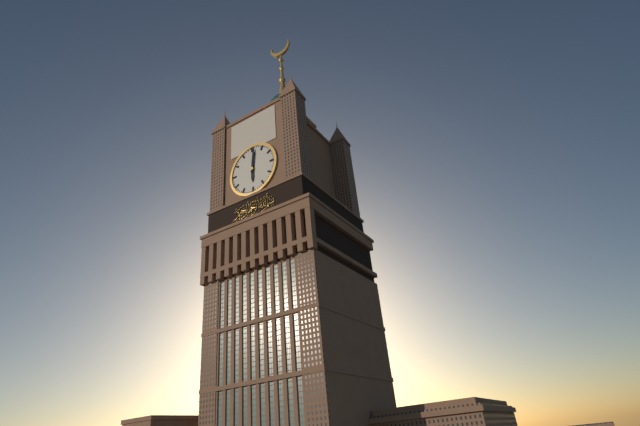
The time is **6:01**
